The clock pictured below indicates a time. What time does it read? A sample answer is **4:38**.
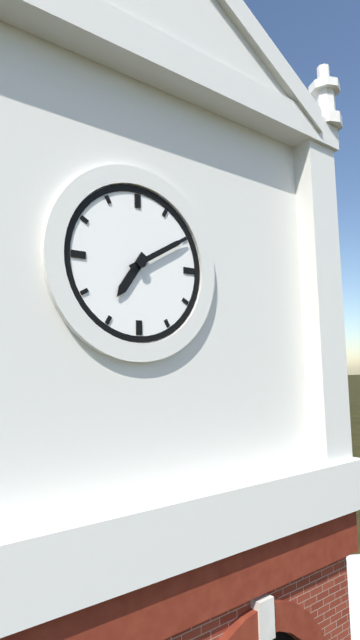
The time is **7:10**
